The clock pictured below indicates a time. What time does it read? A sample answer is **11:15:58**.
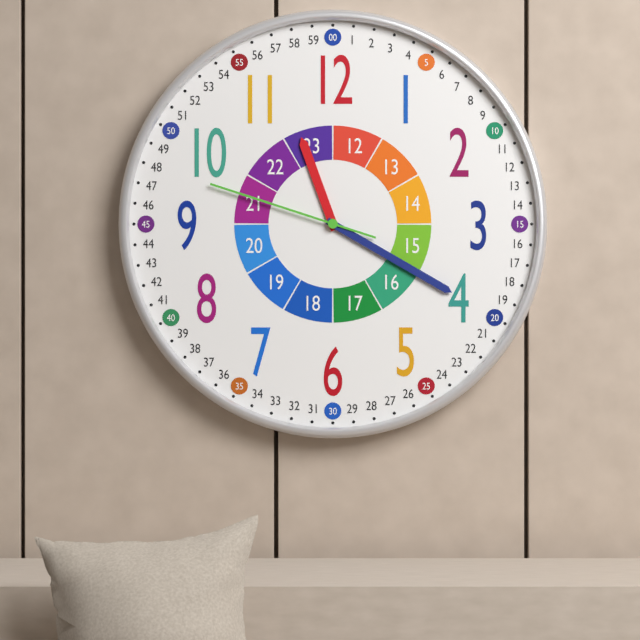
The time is **11:20:48**
